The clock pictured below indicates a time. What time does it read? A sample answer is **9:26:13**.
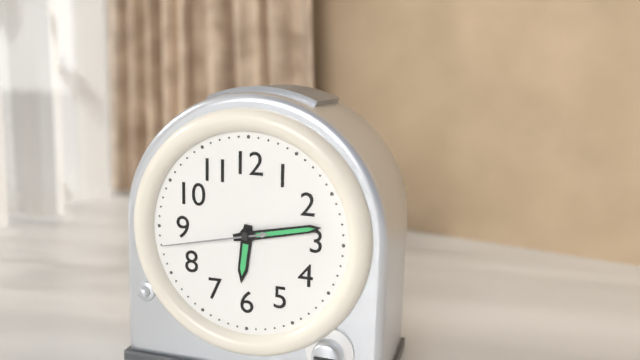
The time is **6:13:43**
